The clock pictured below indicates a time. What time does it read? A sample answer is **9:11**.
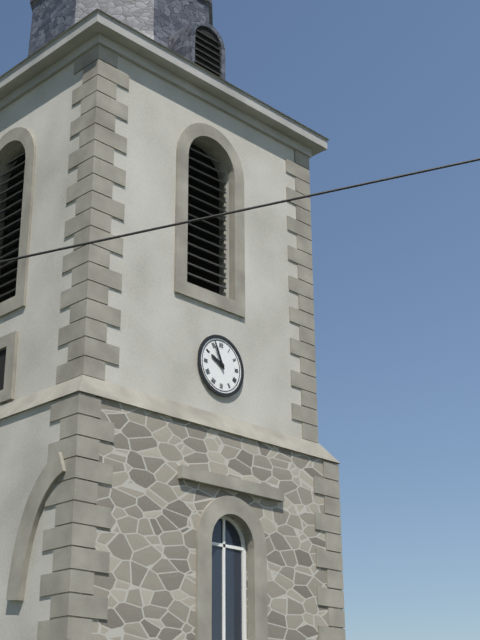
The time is **9:56**
